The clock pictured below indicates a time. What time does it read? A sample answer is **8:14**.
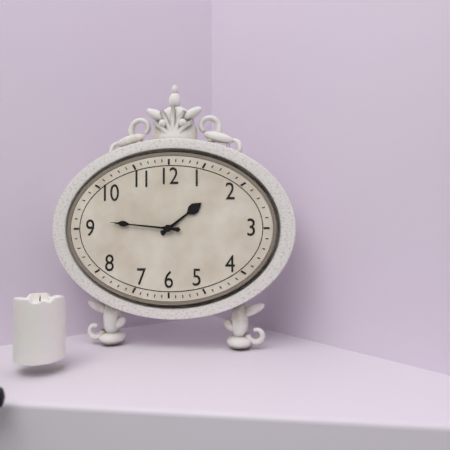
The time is **1:46**
